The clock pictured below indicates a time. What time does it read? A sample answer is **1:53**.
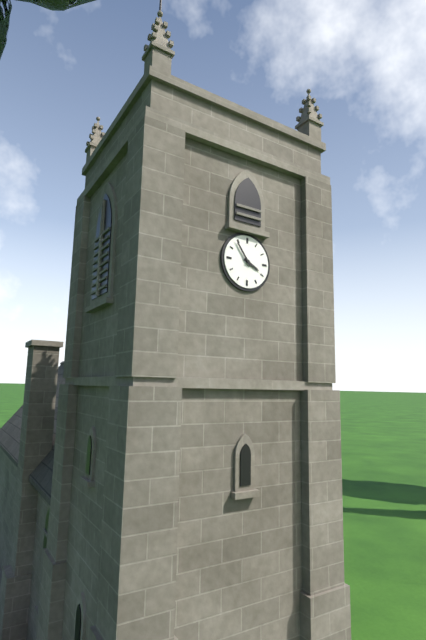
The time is **3:54**
